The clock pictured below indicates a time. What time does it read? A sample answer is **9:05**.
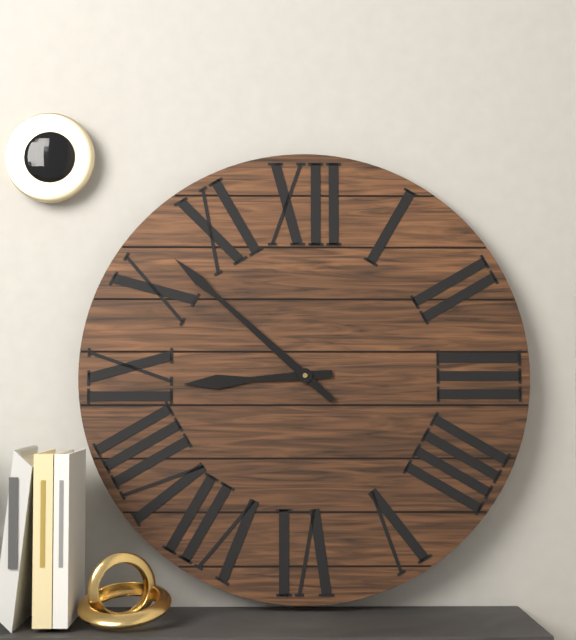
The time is **8:52**
